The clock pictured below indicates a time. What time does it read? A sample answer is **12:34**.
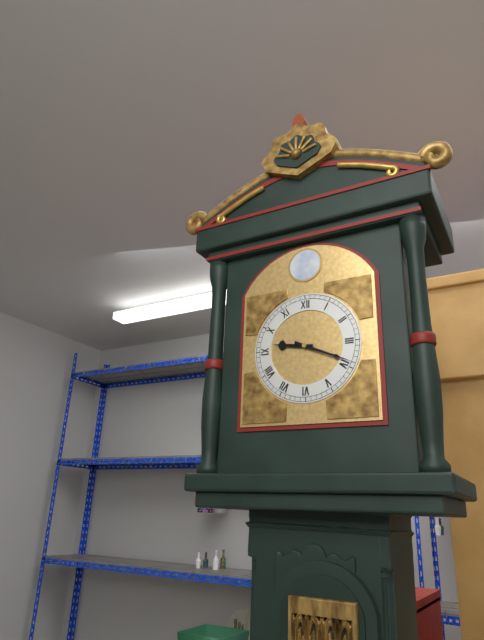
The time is **9:19**
